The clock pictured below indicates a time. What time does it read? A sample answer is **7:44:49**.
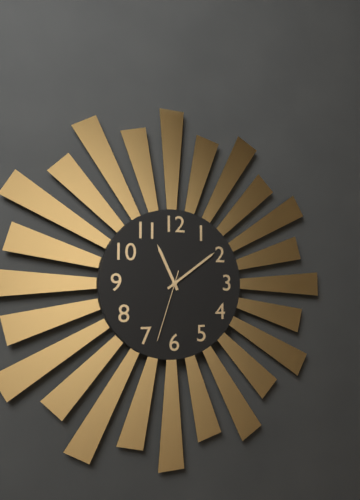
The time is **11:09:33**
